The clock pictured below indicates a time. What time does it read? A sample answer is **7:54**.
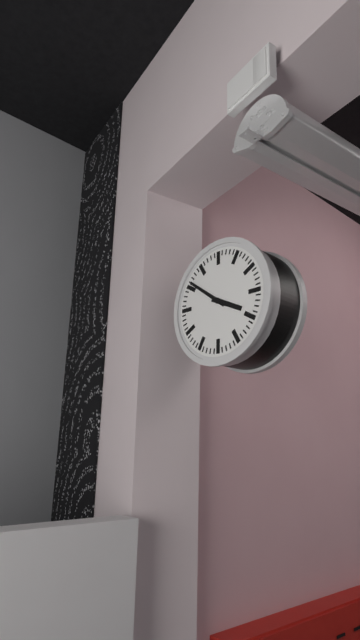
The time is **3:51**
